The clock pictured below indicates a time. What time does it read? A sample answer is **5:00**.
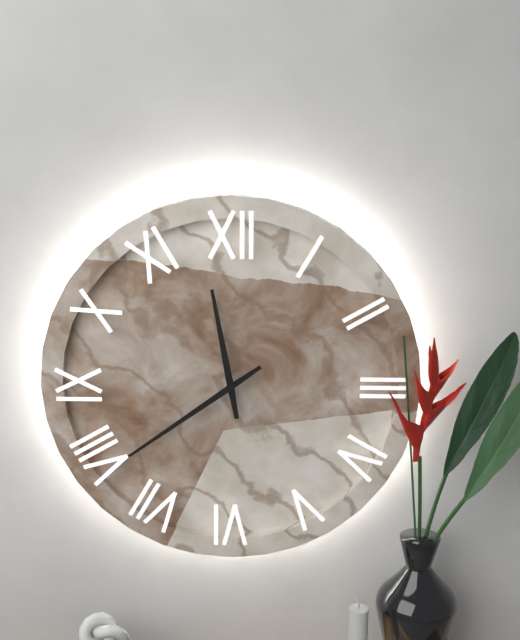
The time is **11:39**
